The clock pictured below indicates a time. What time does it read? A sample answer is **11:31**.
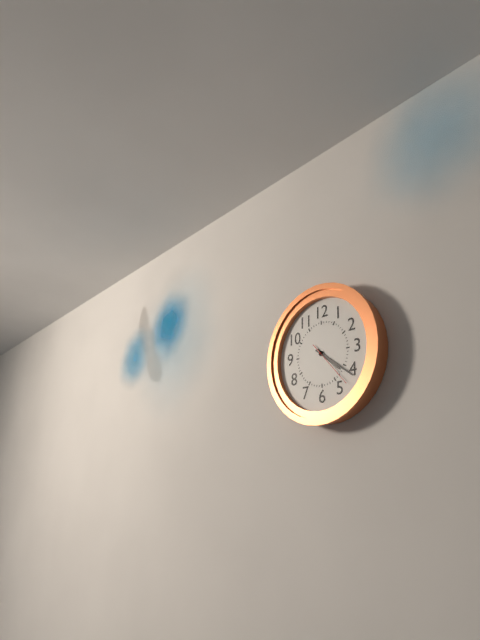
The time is **4:21**
